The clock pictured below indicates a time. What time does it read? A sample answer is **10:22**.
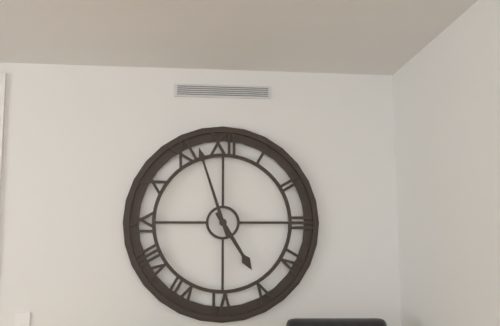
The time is **4:57**
